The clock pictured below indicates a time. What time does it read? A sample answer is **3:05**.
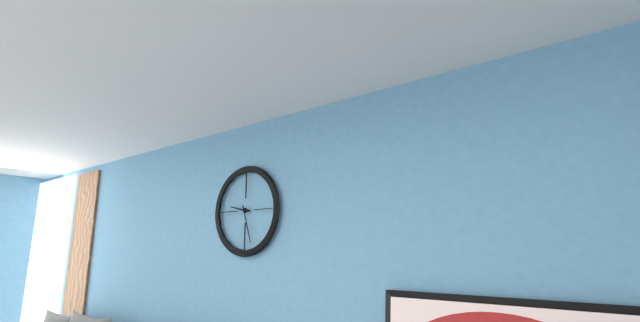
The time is **9:27**
